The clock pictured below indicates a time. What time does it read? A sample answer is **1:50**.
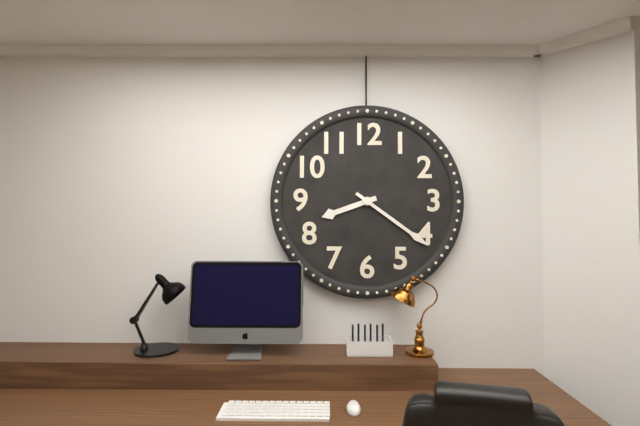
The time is **8:21**
